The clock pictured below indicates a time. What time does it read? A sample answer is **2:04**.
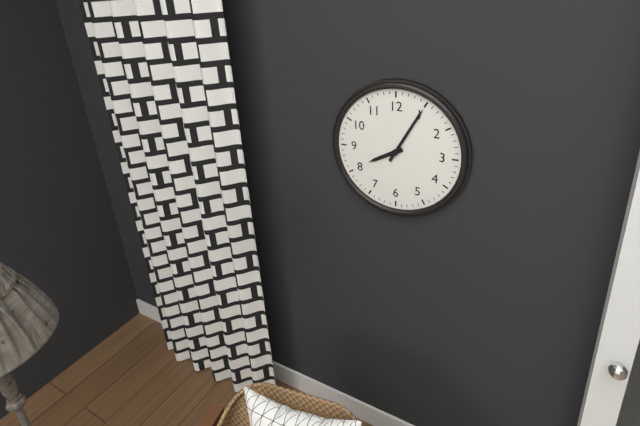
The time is **8:05**
